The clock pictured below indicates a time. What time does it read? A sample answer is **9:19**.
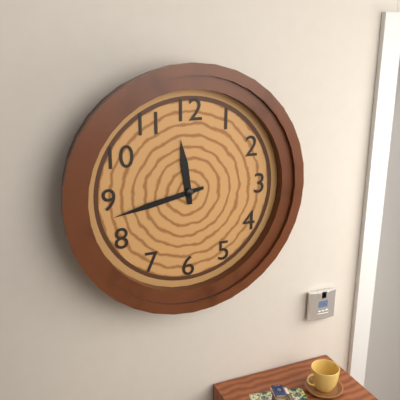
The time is **11:43**
